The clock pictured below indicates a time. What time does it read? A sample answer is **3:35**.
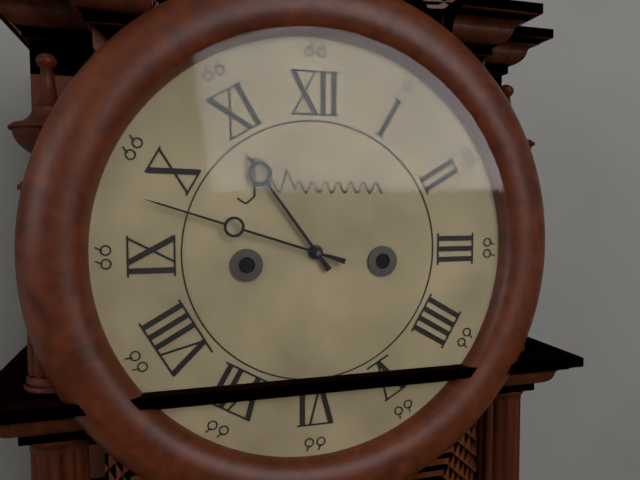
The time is **10:48**
